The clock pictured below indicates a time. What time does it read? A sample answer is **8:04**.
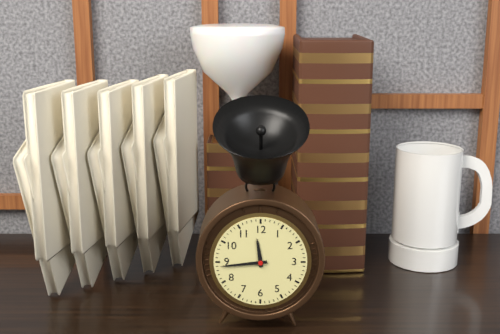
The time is **11:44**
